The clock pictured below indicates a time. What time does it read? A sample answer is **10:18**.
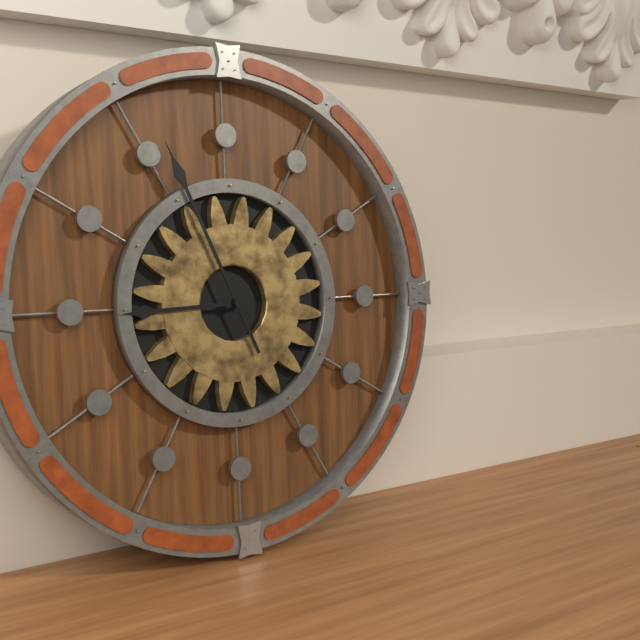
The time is **8:56**
